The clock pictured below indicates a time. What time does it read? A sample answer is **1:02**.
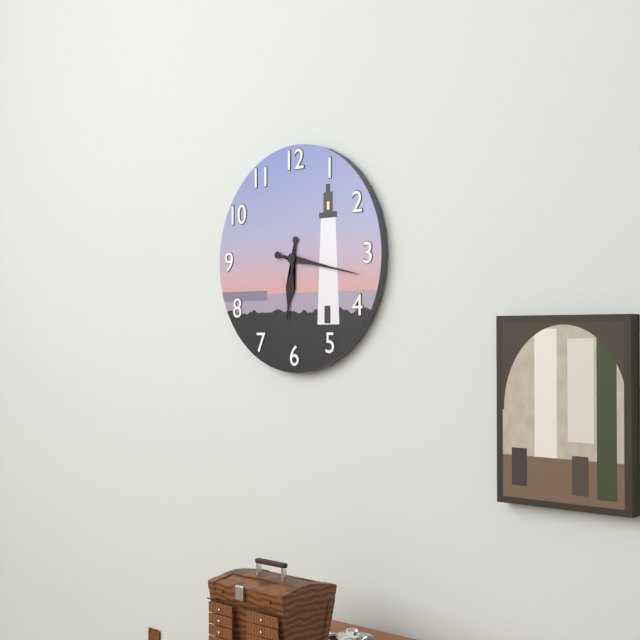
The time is **6:17**
